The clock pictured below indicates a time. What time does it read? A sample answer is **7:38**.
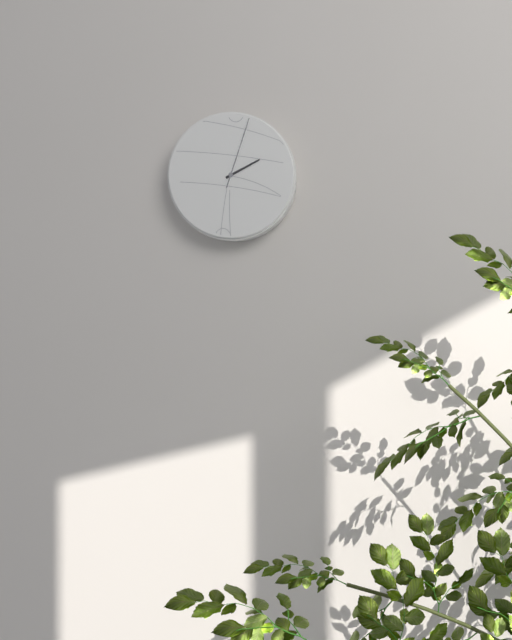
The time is **2:03**
